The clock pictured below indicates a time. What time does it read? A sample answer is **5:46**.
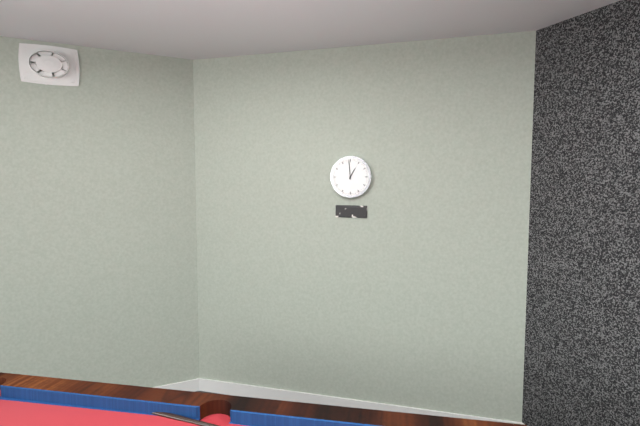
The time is **12:59**
